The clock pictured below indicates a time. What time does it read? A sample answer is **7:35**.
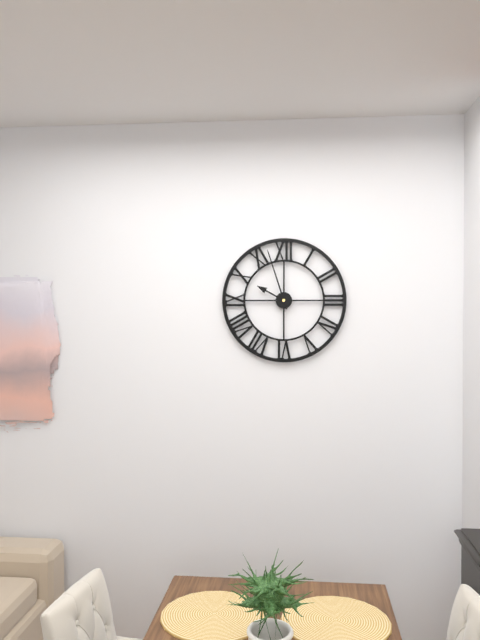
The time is **9:57**
